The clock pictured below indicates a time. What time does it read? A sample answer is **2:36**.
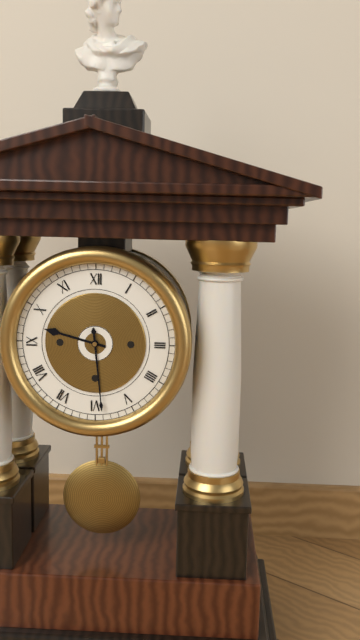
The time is **9:29**
